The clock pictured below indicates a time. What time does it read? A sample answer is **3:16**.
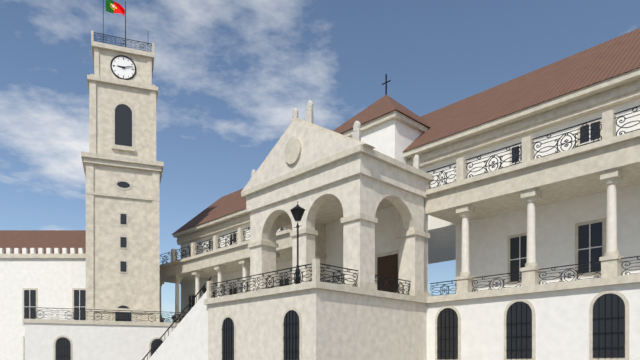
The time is **9:12**
